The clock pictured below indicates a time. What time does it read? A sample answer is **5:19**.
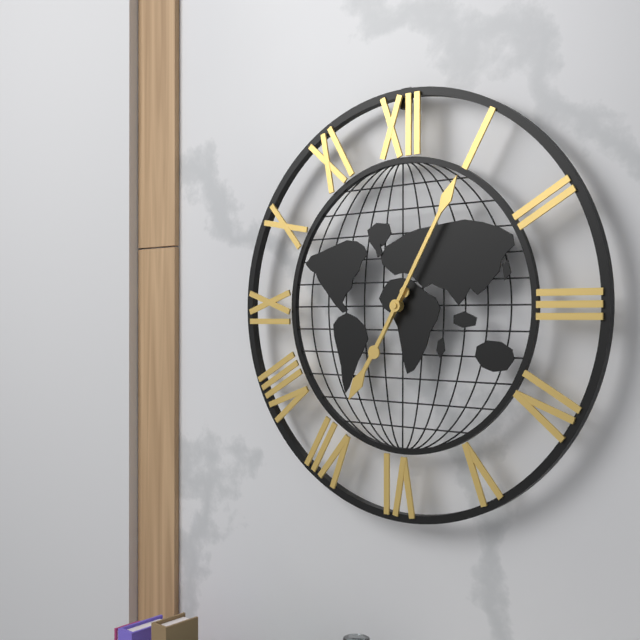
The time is **7:05**
